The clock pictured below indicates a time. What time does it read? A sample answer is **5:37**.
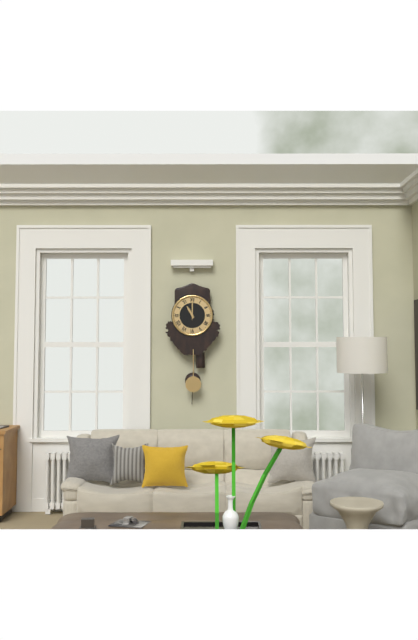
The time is **11:00**
